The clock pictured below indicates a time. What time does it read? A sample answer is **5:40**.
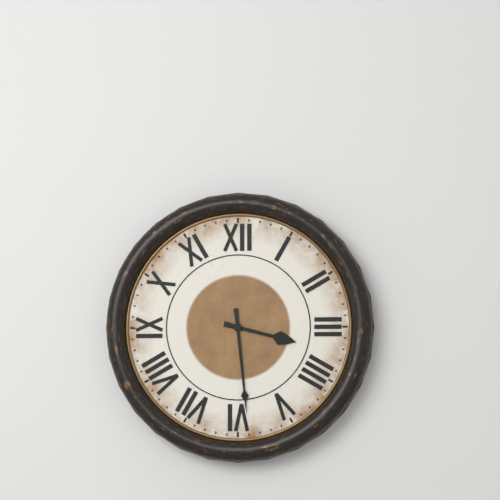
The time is **3:29**
